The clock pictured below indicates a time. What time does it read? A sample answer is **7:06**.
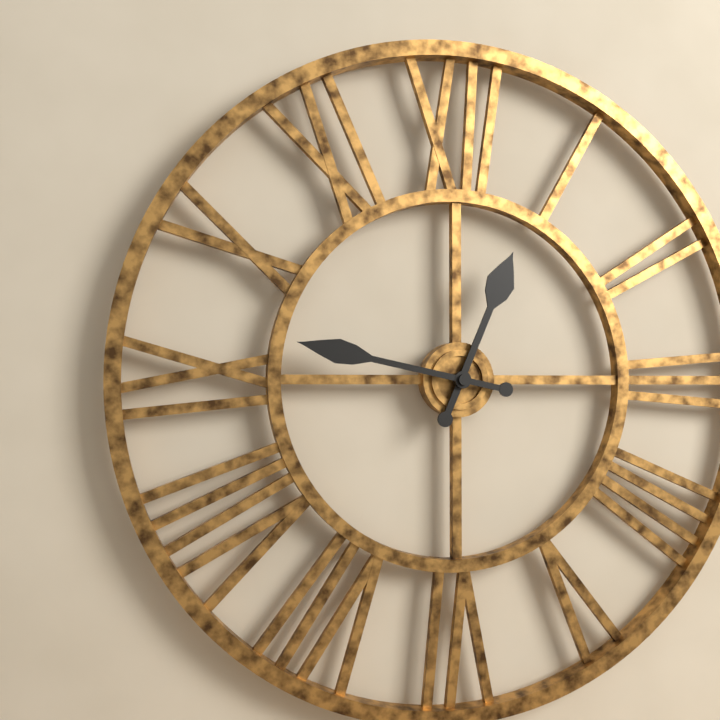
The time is **12:47**
